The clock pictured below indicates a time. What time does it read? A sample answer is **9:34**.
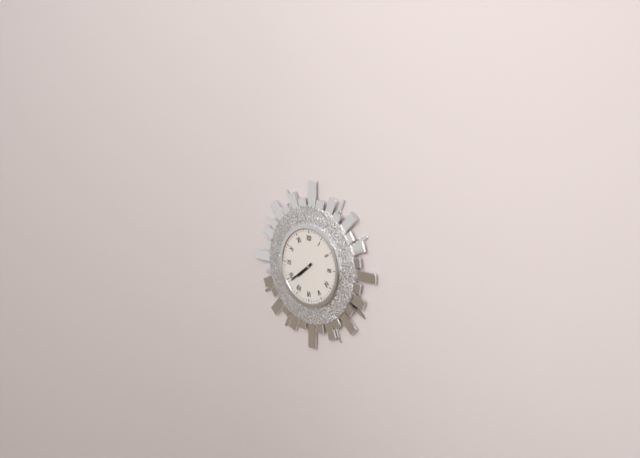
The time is **7:39**
